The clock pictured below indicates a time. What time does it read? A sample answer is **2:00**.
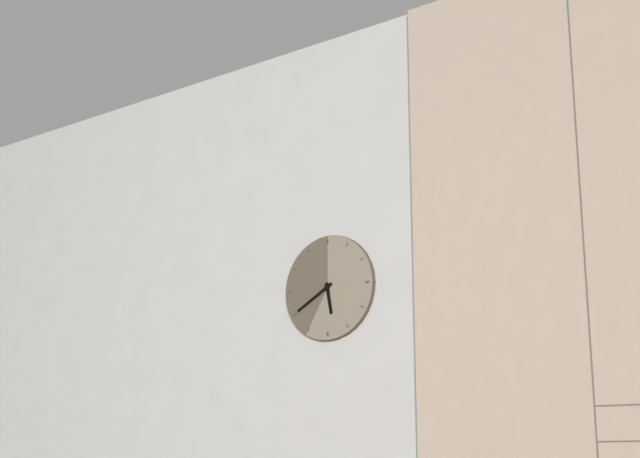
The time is **5:40**
